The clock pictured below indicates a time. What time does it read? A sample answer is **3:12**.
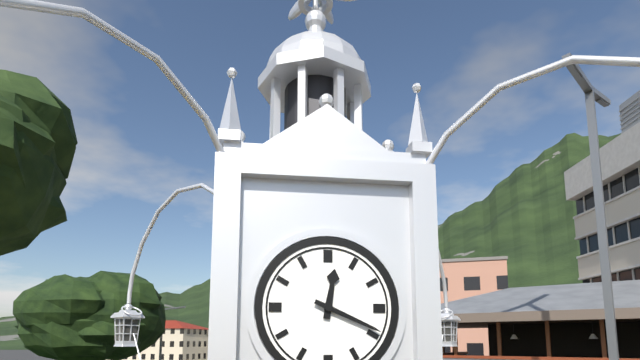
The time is **12:19**
